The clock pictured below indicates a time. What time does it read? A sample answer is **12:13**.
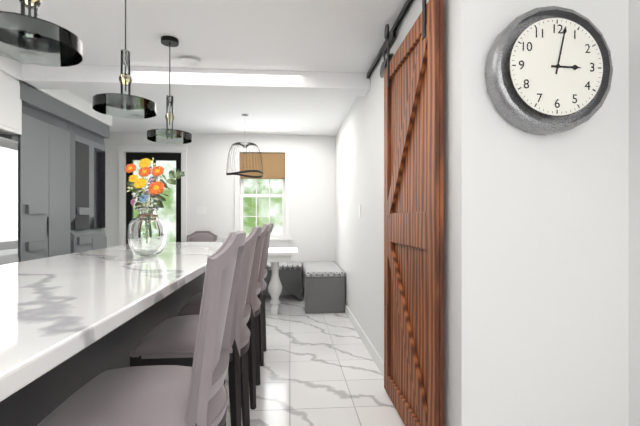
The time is **3:02**
